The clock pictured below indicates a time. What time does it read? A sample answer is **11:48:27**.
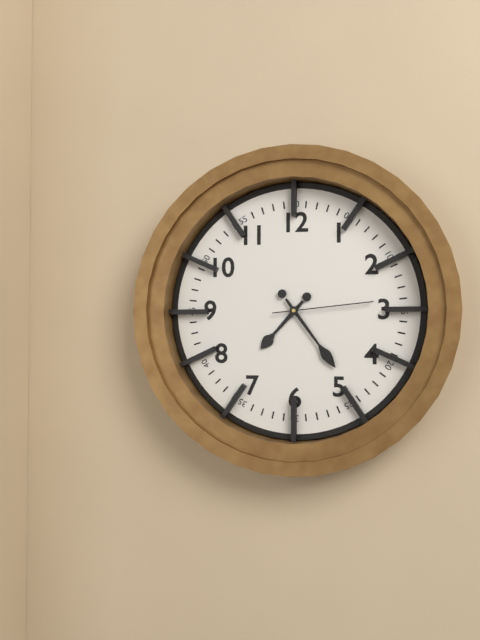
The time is **7:24:14**
